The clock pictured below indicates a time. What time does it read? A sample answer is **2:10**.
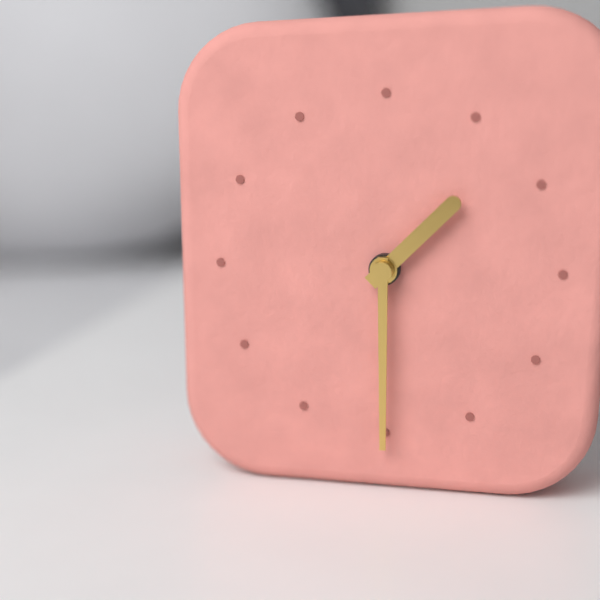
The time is **1:30**
